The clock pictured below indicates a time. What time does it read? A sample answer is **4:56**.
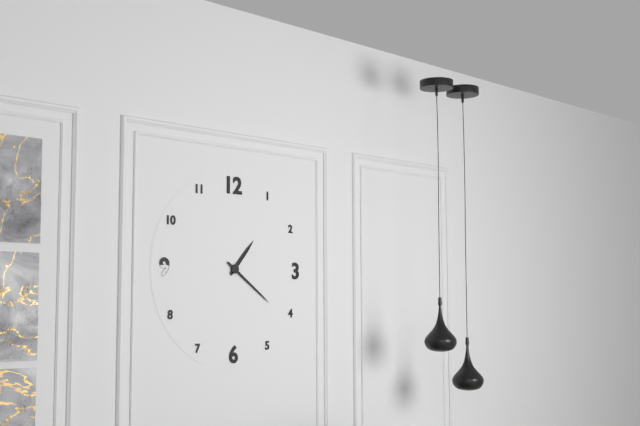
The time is **1:21**
